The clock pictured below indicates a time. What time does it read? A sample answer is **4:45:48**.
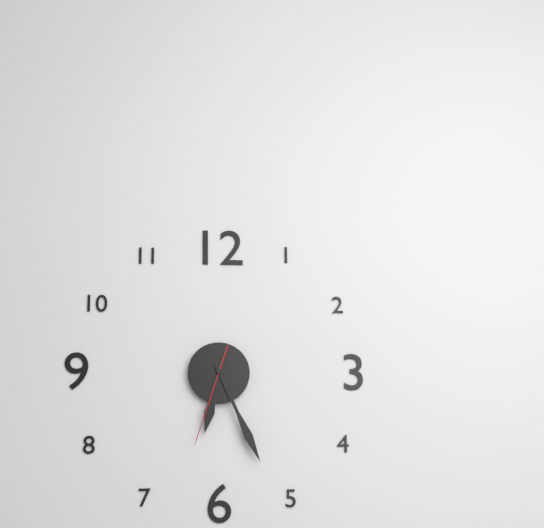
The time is **6:26:33**
